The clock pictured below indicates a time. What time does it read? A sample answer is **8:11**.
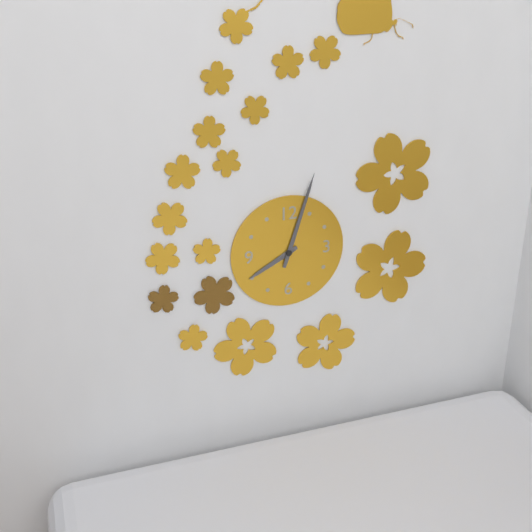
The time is **8:03**
